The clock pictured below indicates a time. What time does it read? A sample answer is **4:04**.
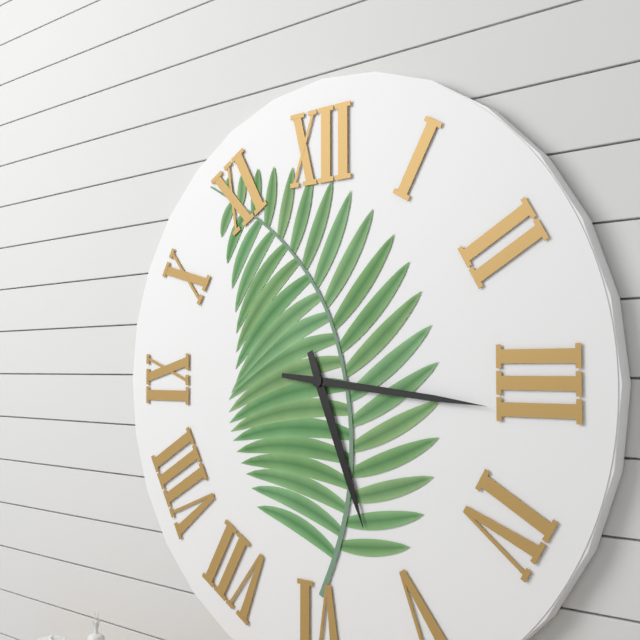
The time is **5:16**
